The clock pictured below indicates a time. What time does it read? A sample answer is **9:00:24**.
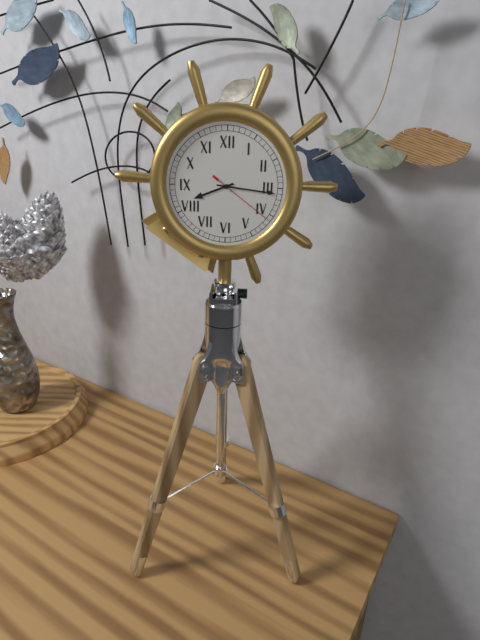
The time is **8:16:21**
